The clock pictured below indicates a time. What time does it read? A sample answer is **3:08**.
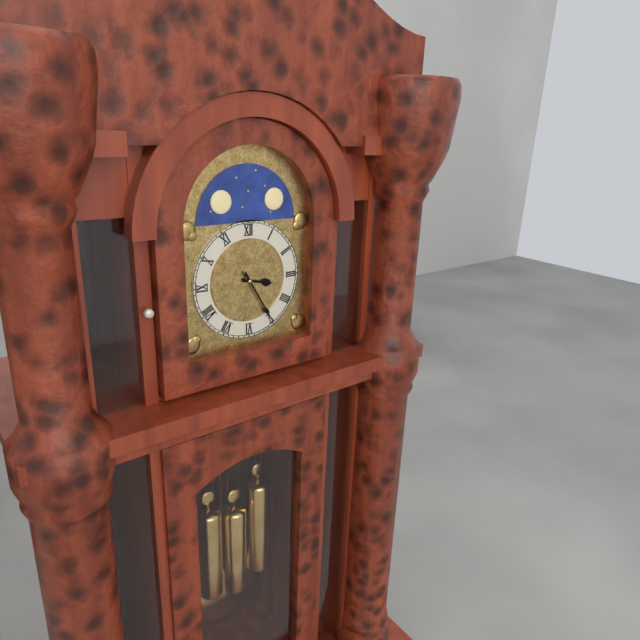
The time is **3:25**
